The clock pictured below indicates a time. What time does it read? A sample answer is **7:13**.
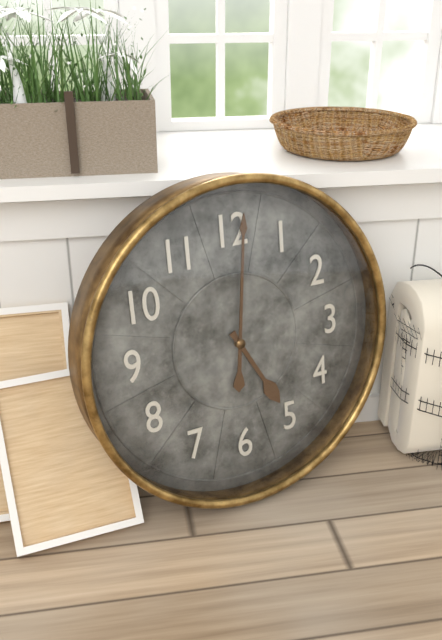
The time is **5:01**
